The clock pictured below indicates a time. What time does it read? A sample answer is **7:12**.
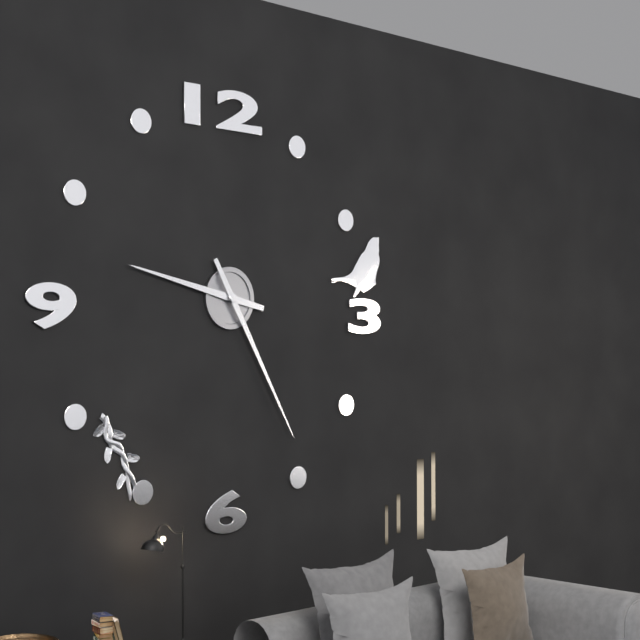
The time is **9:25**
